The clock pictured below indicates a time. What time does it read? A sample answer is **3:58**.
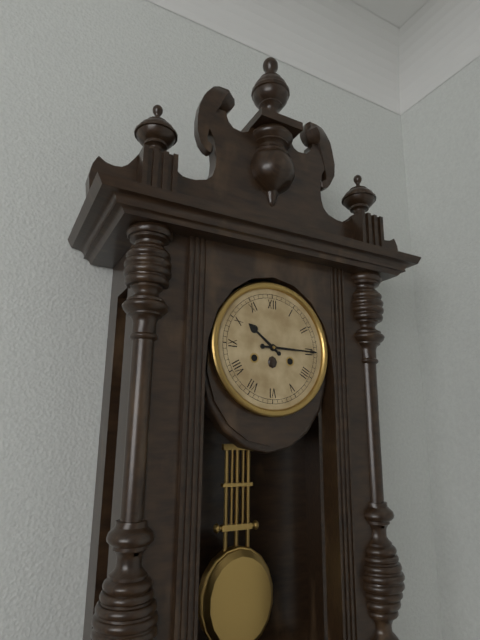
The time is **10:15**
